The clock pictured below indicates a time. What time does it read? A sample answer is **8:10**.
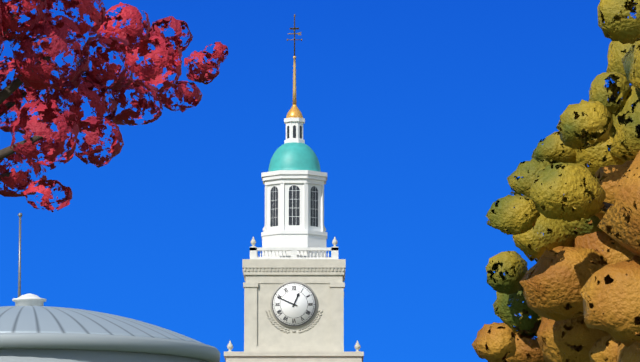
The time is **12:49**
